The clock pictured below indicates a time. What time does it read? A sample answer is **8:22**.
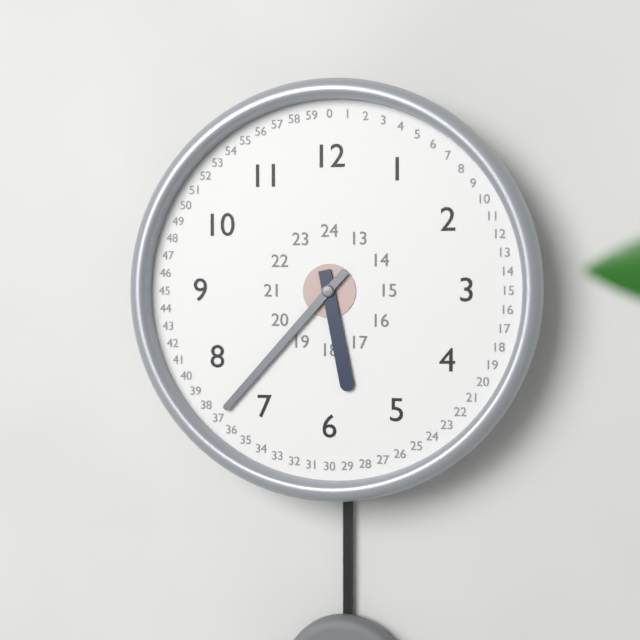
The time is **5:37**
